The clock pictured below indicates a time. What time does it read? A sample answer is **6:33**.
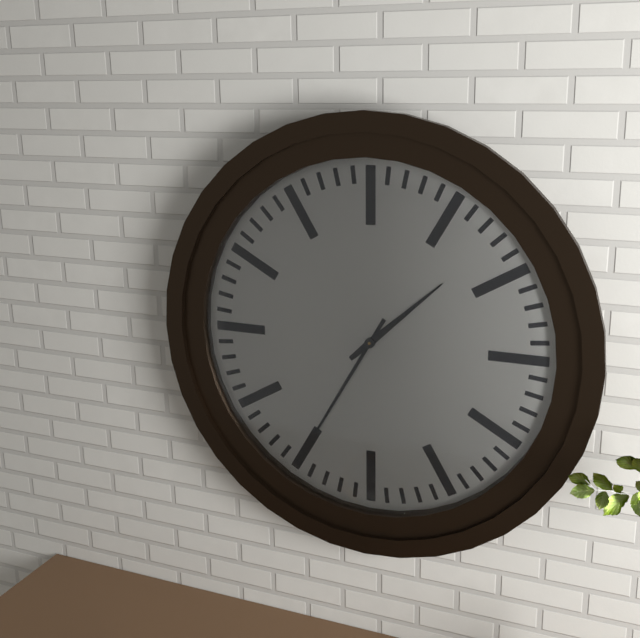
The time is **1:35**
